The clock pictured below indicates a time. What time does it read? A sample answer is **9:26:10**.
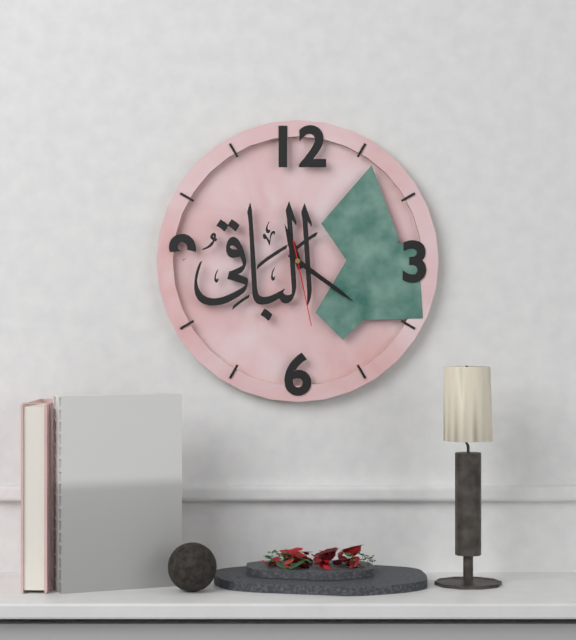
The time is **11:21:28**
